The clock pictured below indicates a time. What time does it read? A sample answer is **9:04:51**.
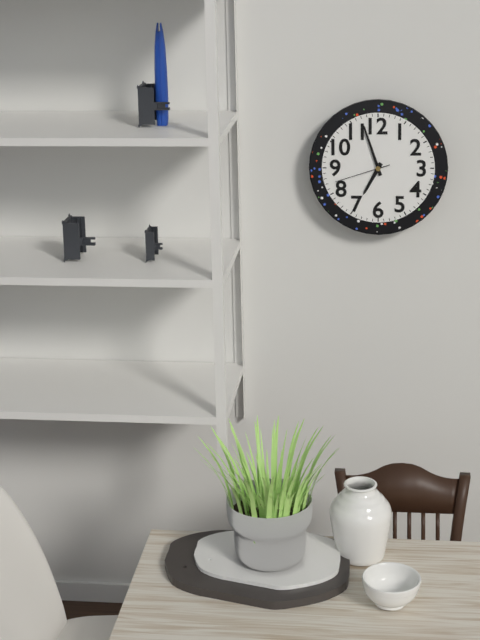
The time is **6:57:42**
